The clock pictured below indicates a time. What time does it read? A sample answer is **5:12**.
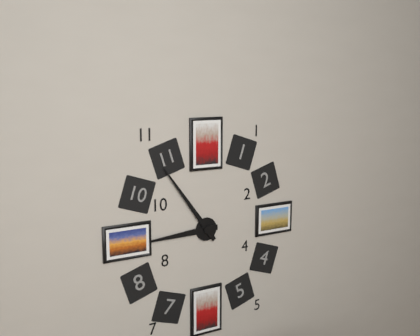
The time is **8:54**
